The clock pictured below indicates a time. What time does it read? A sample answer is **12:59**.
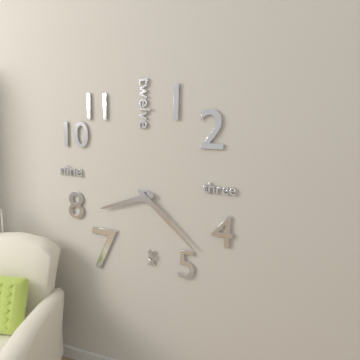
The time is **8:22**
